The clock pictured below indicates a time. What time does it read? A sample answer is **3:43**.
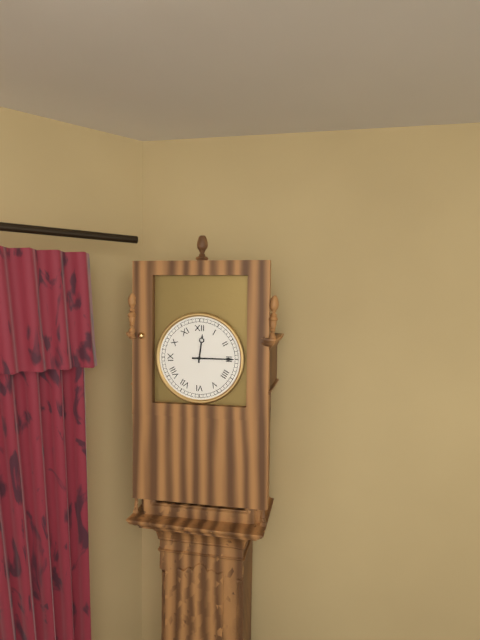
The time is **12:15**
